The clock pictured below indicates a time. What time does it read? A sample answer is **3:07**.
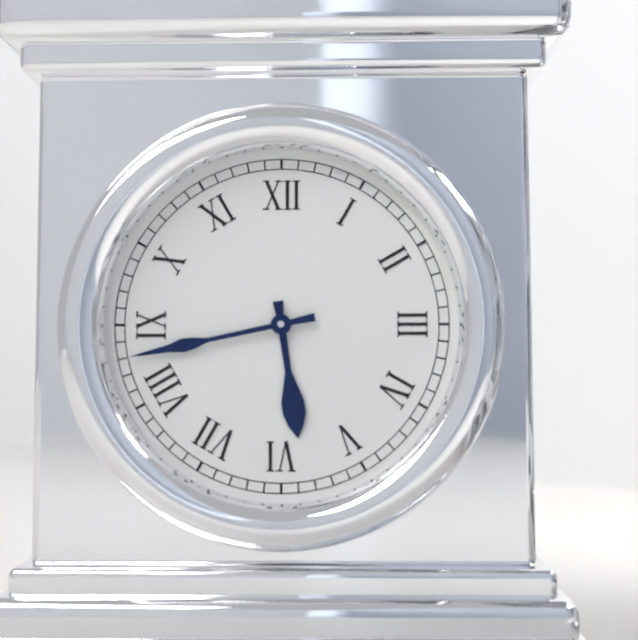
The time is **5:43**
